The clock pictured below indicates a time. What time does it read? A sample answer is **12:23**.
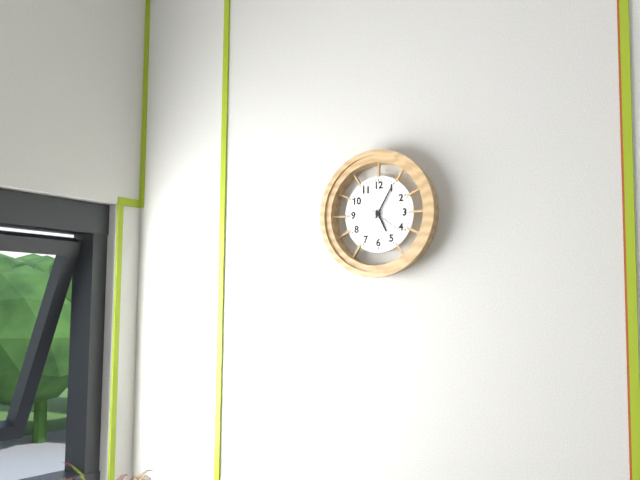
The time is **5:05**
